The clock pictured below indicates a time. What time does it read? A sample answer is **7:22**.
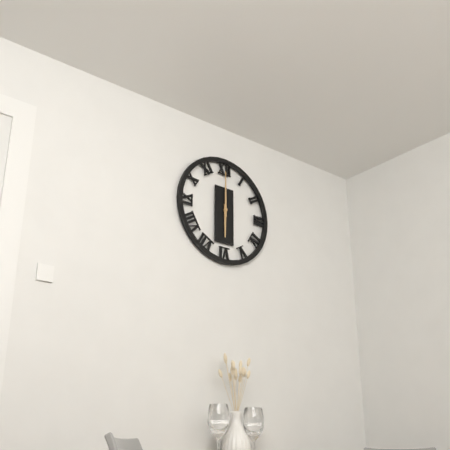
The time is **6:00**
